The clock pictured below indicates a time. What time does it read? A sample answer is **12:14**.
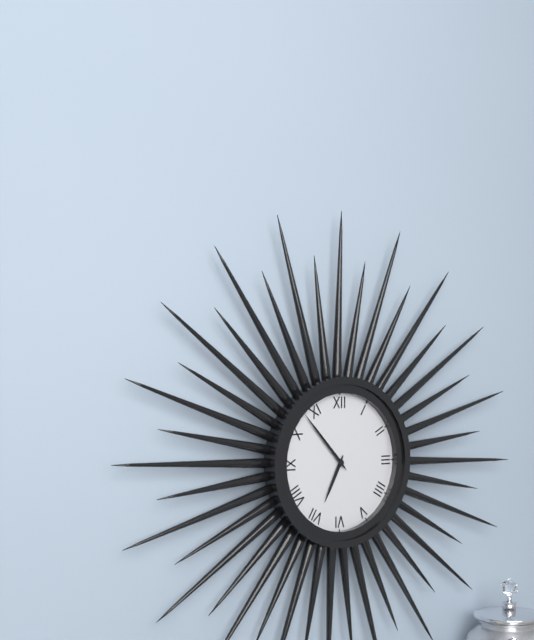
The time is **6:53**
